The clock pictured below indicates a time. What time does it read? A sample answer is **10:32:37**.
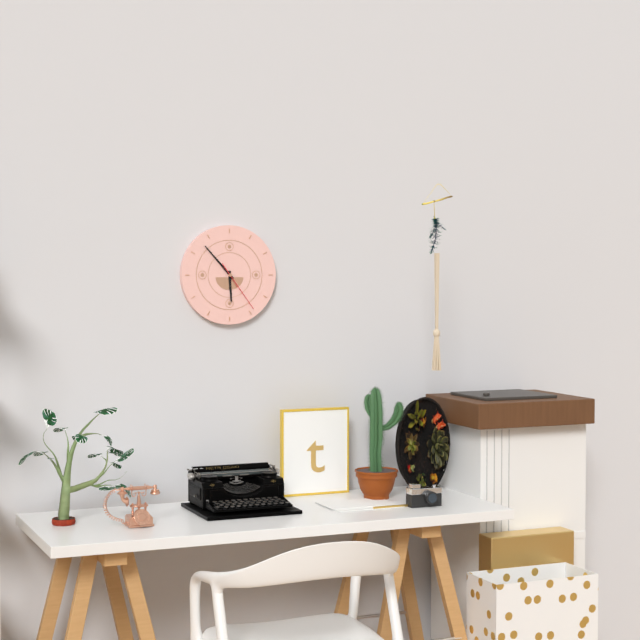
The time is **5:53:24**
